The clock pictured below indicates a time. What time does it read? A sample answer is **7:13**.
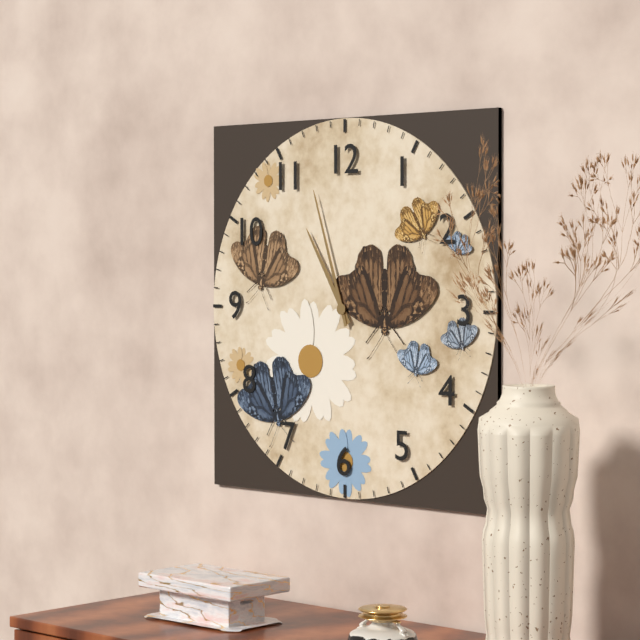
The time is **10:57**
